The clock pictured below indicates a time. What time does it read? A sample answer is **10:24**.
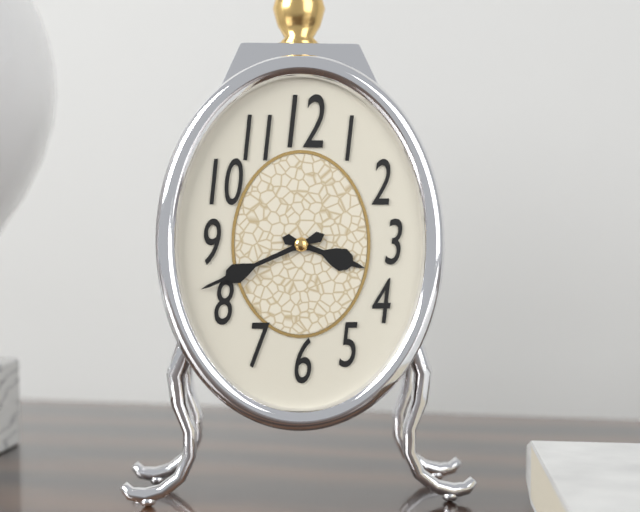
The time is **3:41**
